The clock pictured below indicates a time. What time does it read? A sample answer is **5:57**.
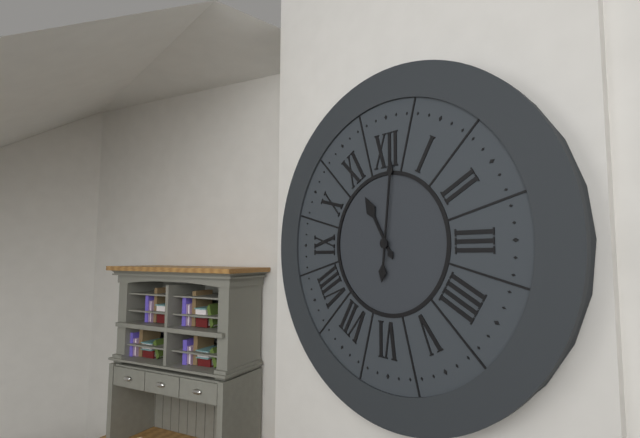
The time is **11:01**
